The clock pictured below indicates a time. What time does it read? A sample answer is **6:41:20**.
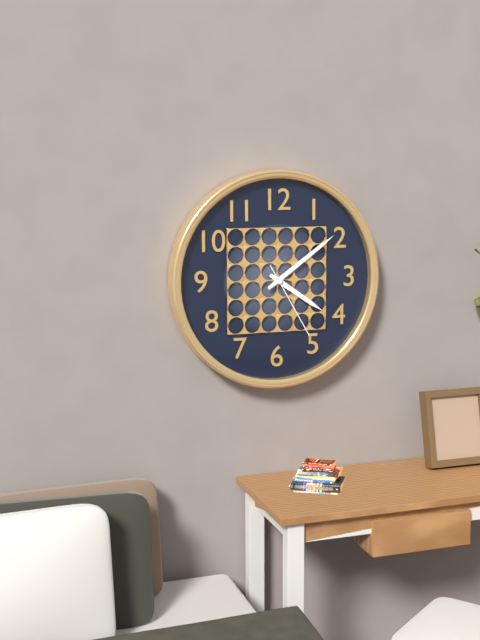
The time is **4:09:25**
